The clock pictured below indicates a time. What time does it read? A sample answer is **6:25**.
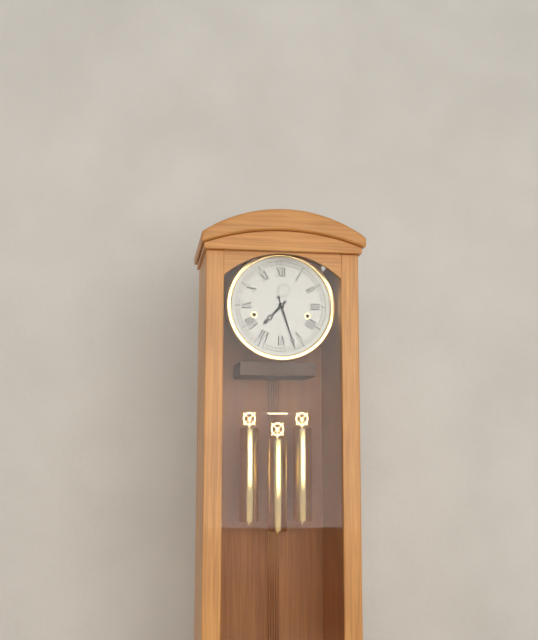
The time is **7:27**
